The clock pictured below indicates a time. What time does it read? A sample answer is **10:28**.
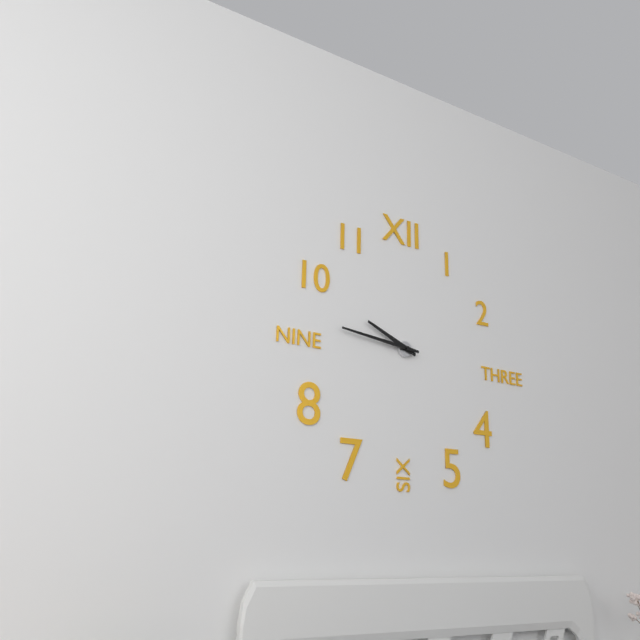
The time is **9:46**
